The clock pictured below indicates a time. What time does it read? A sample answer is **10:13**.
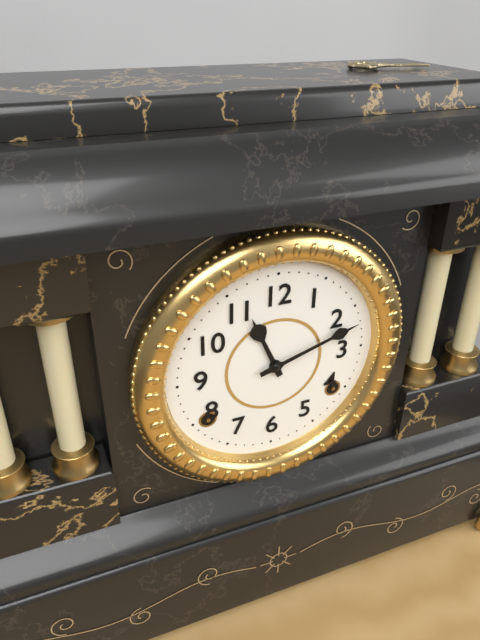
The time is **11:12**
